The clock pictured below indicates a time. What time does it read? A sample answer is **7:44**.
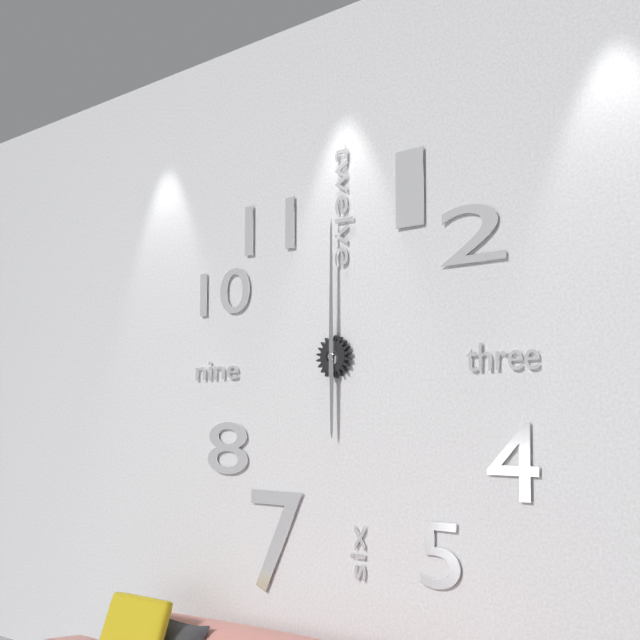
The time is **6:00**
